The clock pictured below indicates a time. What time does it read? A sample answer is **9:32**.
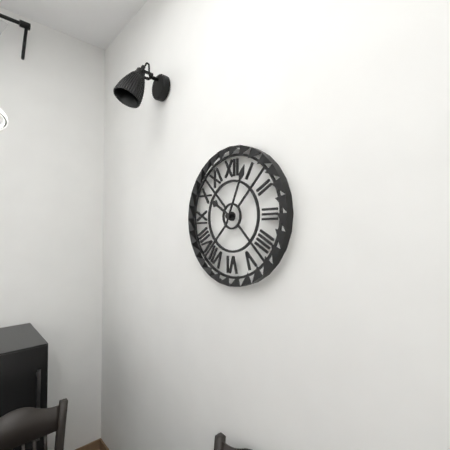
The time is **10:04**
